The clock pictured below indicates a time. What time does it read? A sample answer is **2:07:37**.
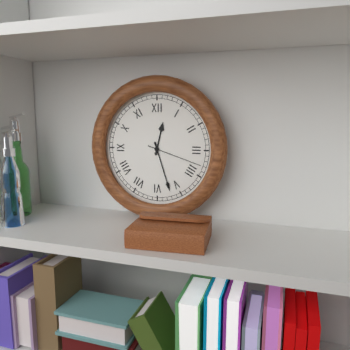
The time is **12:27:18**
